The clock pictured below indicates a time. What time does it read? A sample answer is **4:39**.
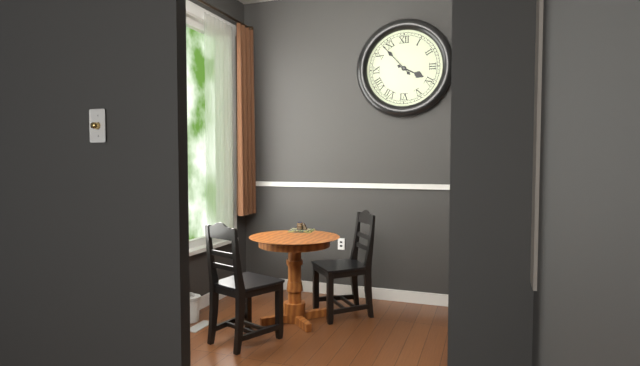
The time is **3:53**
